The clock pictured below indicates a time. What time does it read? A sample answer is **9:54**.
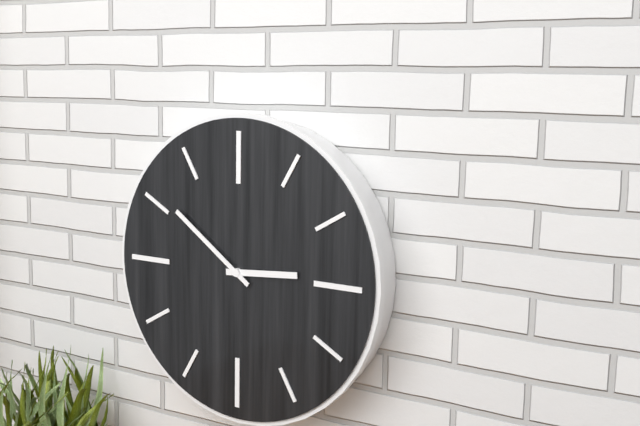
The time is **2:51**
